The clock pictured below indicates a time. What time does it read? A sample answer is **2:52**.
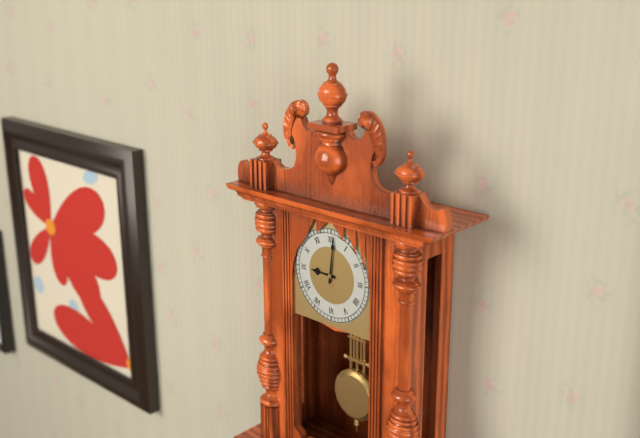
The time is **9:01**
